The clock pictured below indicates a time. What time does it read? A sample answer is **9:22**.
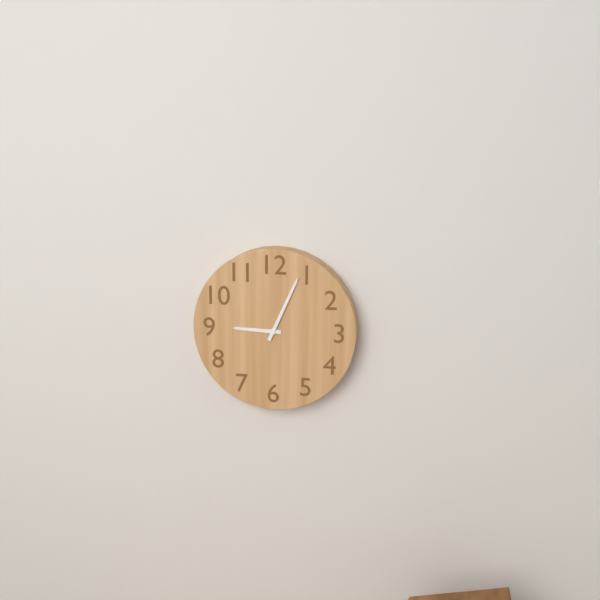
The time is **9:04**
